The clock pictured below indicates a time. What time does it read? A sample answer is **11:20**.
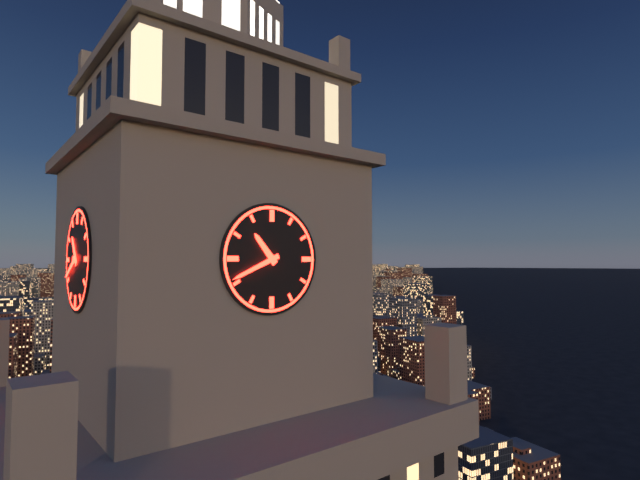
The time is **10:41**
